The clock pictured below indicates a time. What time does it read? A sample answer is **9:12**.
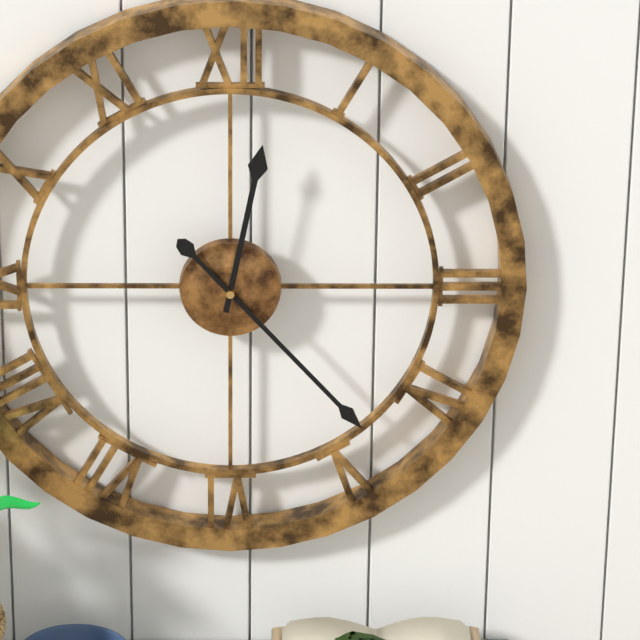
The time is **12:23**
